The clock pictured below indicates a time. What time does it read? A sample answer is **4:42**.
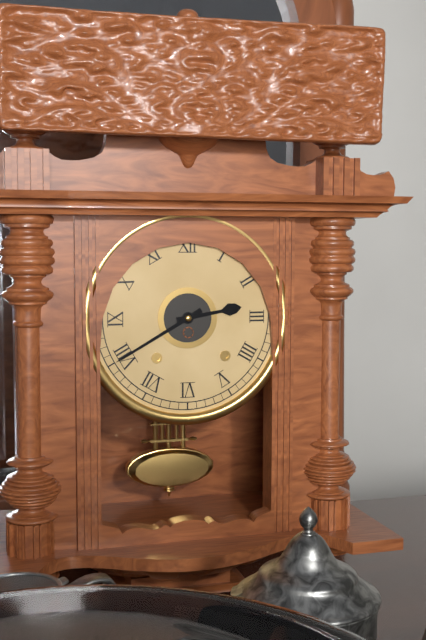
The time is **2:40**
